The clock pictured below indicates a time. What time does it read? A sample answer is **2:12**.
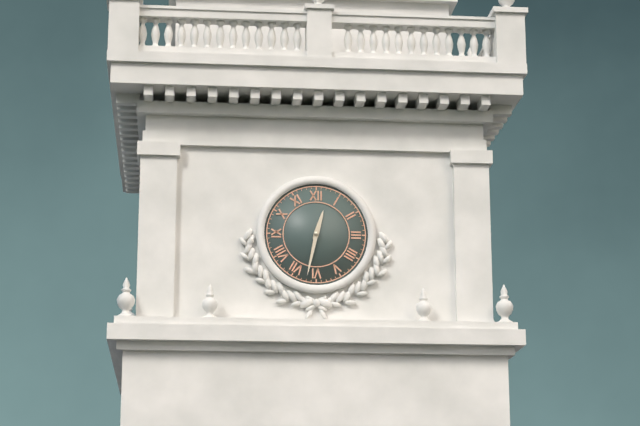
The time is **12:32**
